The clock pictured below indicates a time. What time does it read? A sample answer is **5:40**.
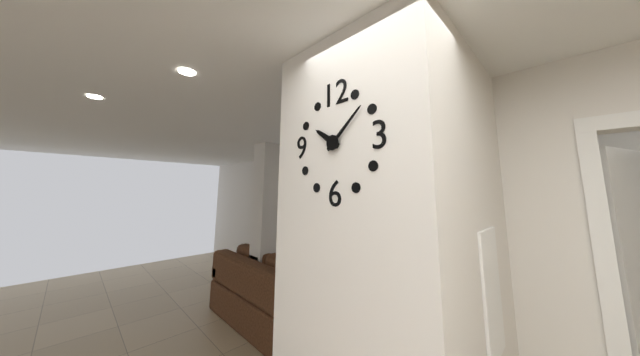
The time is **10:08**
